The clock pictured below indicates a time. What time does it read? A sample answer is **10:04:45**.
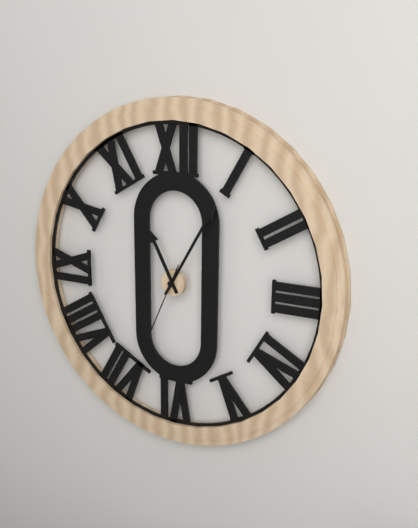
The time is **11:05:34**
